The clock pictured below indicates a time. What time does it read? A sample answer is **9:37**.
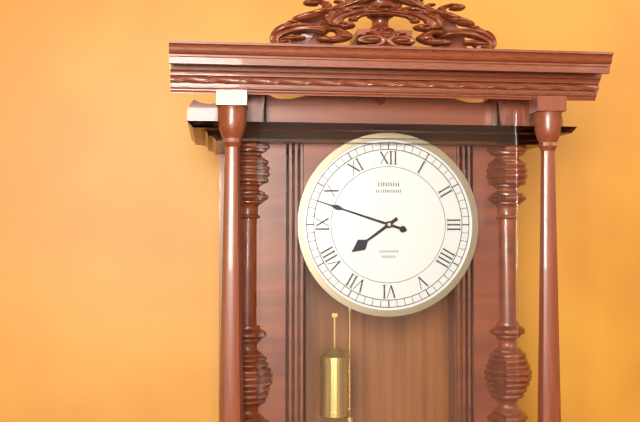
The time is **7:48**
